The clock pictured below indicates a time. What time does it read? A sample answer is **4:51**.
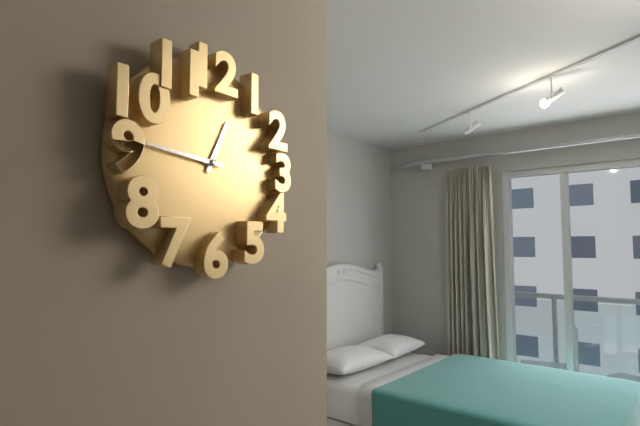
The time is **12:46**
